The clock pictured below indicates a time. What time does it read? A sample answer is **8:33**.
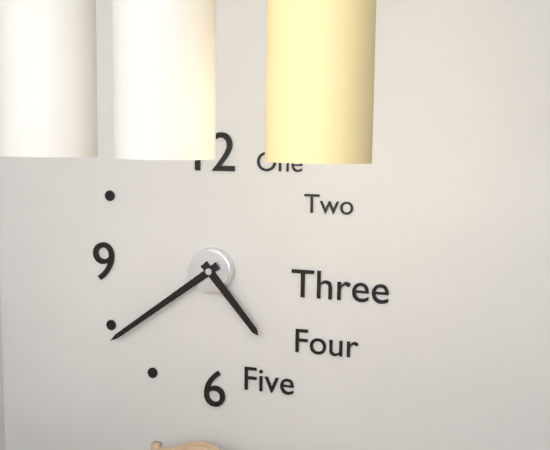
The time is **4:39**
